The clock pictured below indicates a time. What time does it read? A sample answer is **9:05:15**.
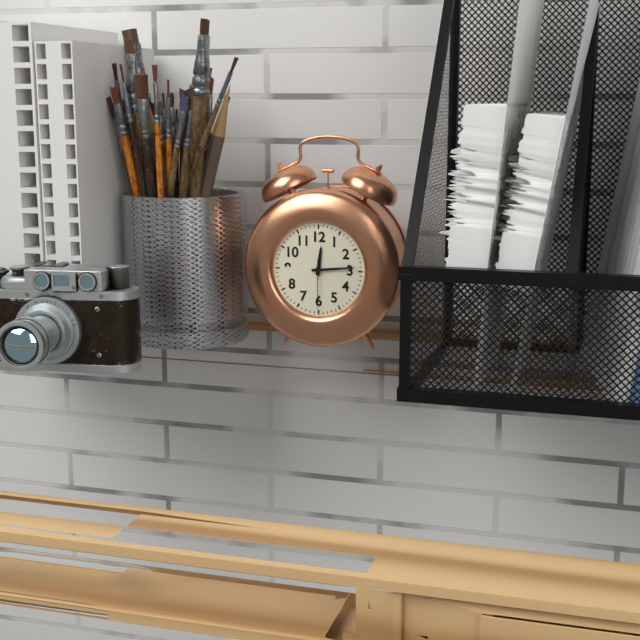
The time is **12:14:30**
